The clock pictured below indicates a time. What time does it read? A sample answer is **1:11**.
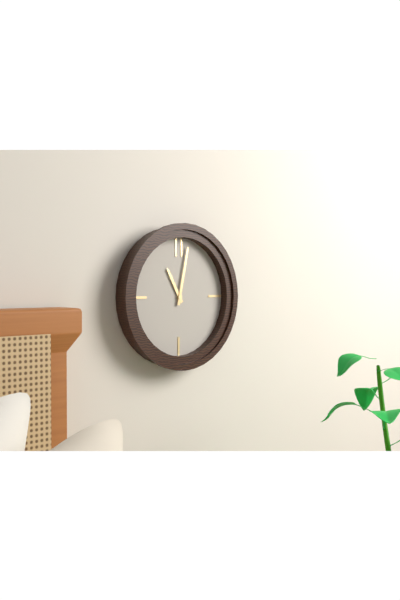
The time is **11:02**
